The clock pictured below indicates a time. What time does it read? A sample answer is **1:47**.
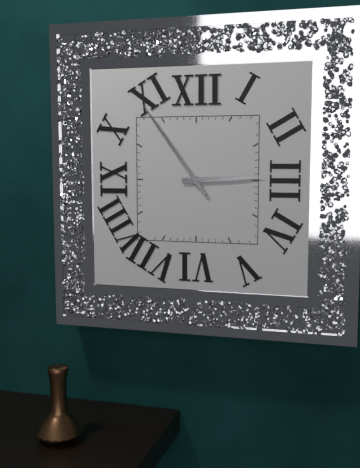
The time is **2:54**
